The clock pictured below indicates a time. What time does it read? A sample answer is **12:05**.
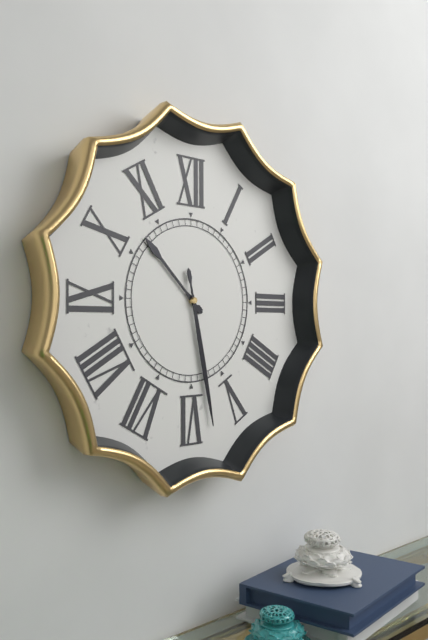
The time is **10:28**
